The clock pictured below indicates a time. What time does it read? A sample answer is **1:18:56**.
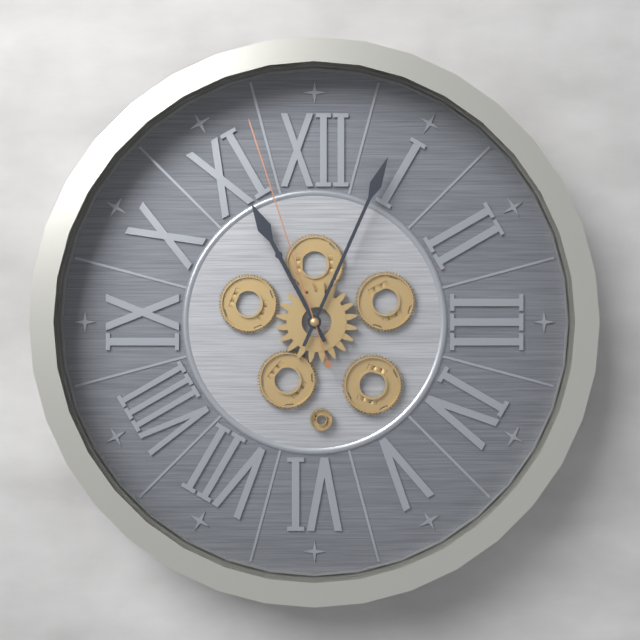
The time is **11:04:57**
